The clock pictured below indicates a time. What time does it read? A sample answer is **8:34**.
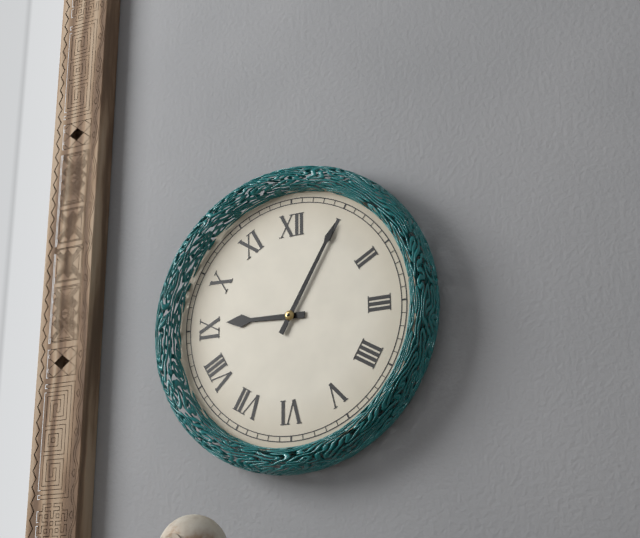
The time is **9:05**
